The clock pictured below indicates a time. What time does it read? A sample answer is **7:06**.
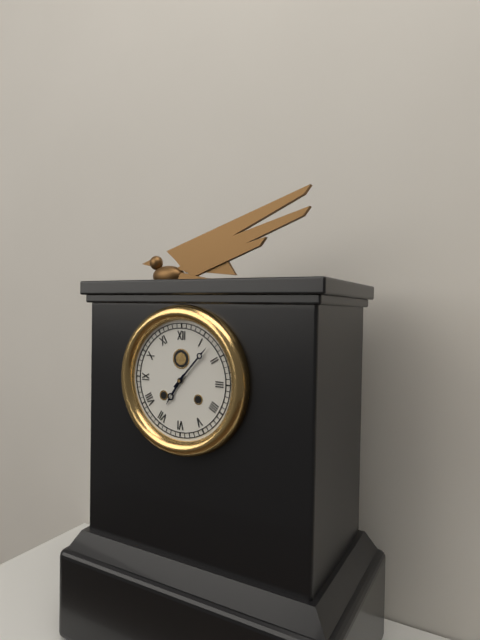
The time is **7:07**
